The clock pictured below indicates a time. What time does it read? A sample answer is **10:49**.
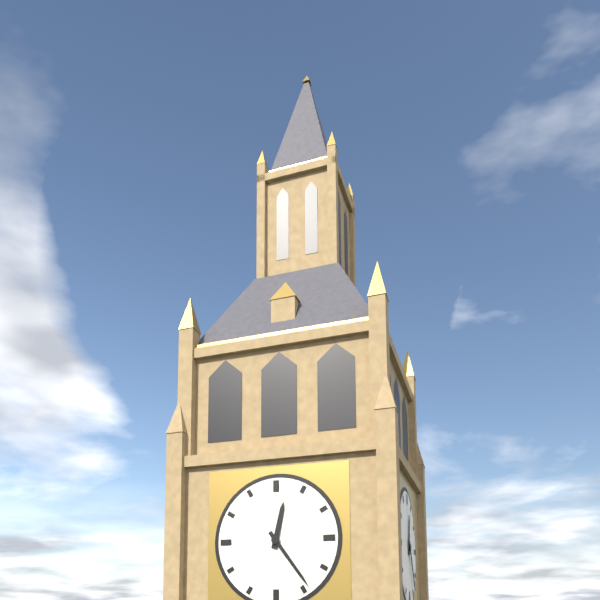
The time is **12:24**
